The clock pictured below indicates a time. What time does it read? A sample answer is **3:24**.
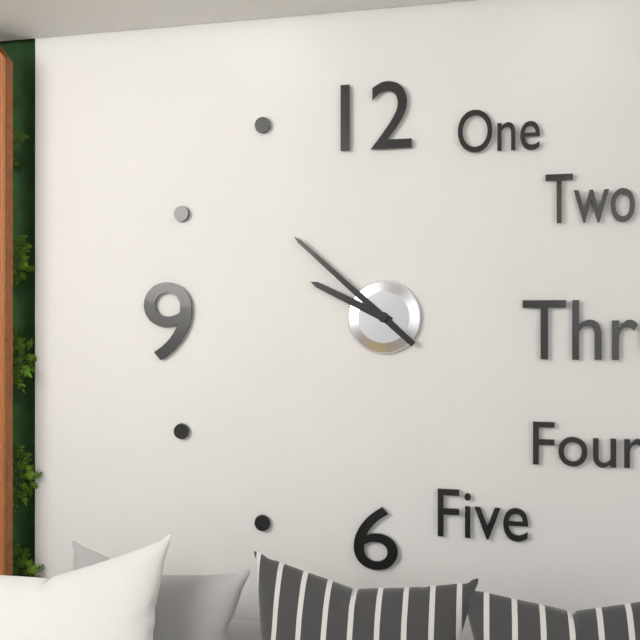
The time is **9:52**
